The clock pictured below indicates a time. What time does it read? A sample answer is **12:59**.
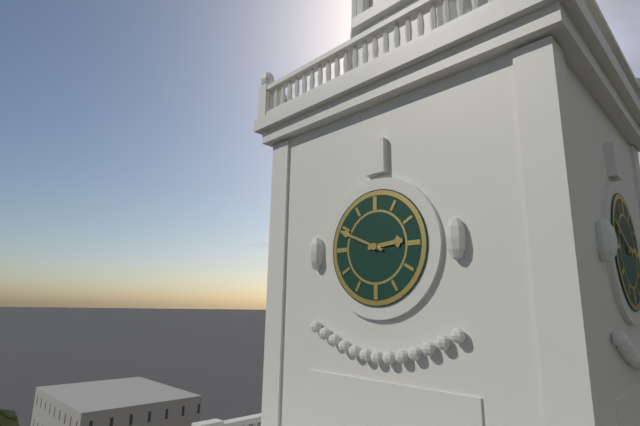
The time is **2:49**
